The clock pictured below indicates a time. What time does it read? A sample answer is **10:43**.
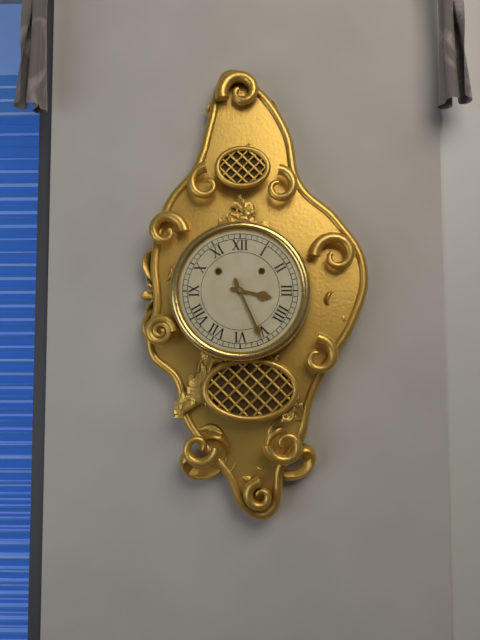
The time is **3:26**
